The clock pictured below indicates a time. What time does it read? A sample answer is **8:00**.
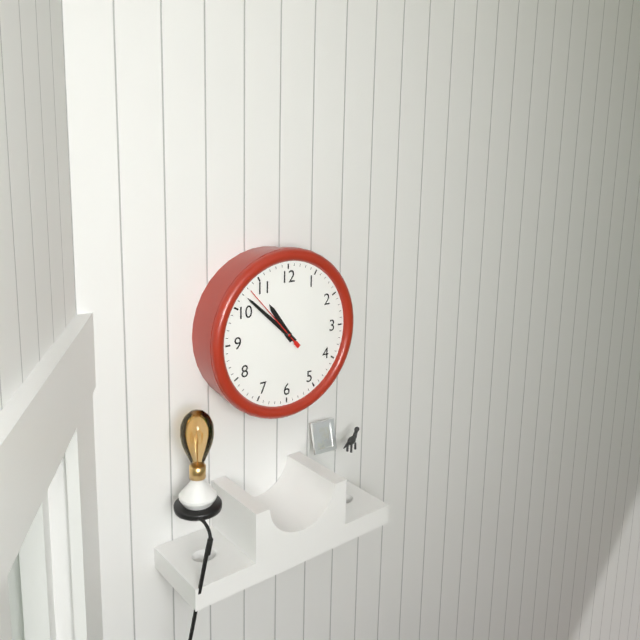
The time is **10:52**
